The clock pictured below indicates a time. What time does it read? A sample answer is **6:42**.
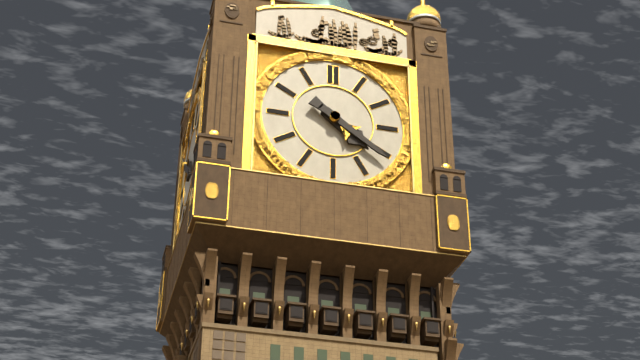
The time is **4:21**
